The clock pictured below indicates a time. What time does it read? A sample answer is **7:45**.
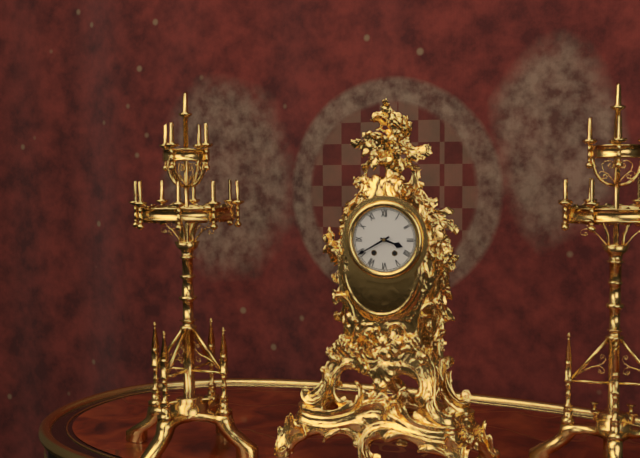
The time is **3:40**
